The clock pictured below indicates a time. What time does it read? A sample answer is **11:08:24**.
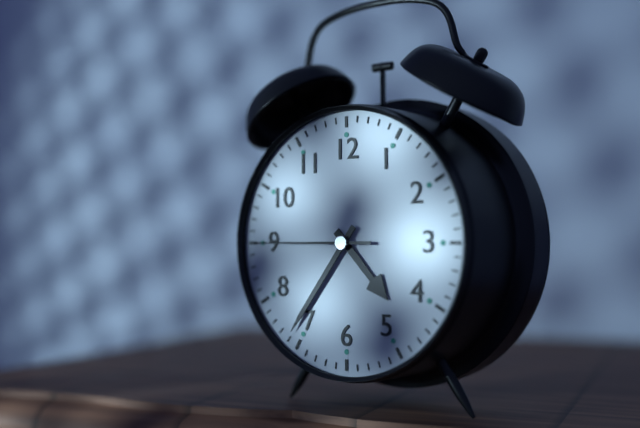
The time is **4:36:45**
